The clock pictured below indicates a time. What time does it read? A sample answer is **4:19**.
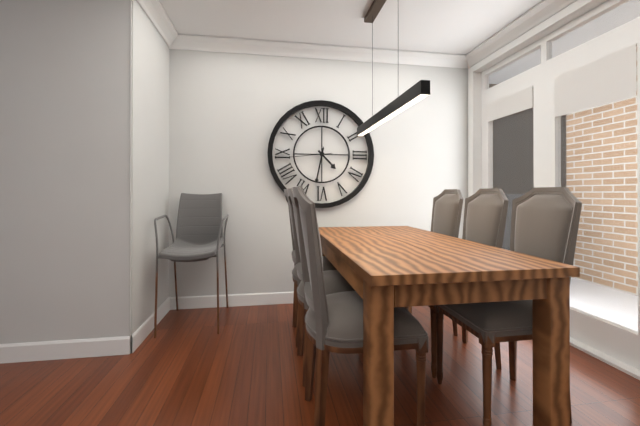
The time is **4:32**
